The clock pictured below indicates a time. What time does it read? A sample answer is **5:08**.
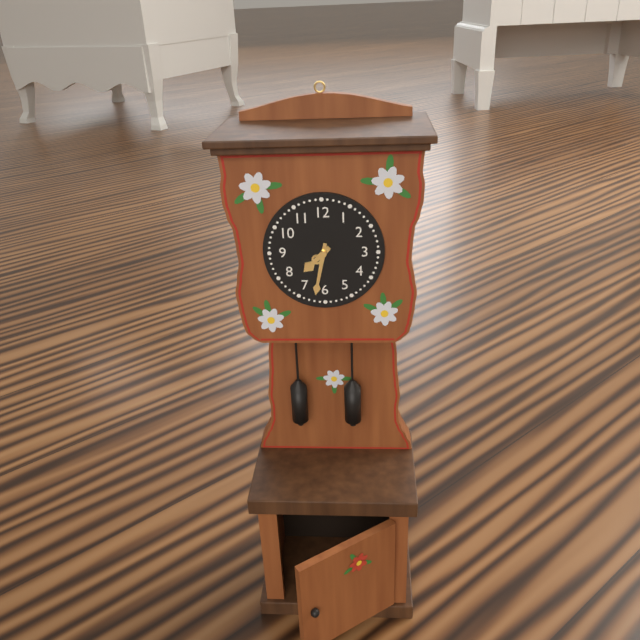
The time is **7:32**
